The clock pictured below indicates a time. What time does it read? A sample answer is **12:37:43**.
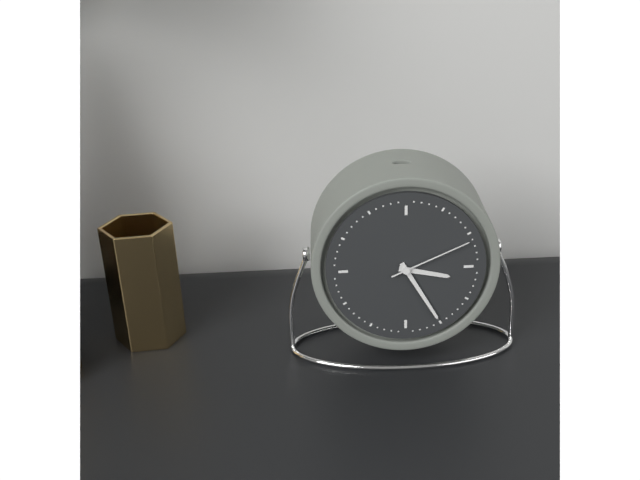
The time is **3:25:11**
